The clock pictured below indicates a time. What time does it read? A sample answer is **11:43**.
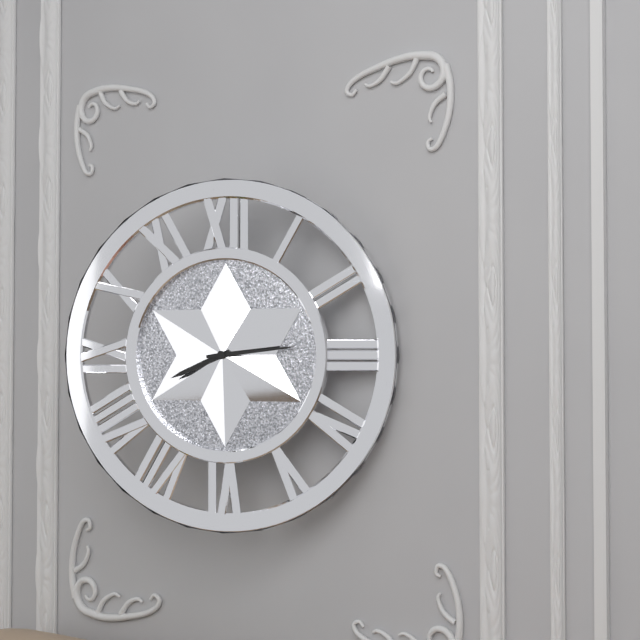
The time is **8:14**
